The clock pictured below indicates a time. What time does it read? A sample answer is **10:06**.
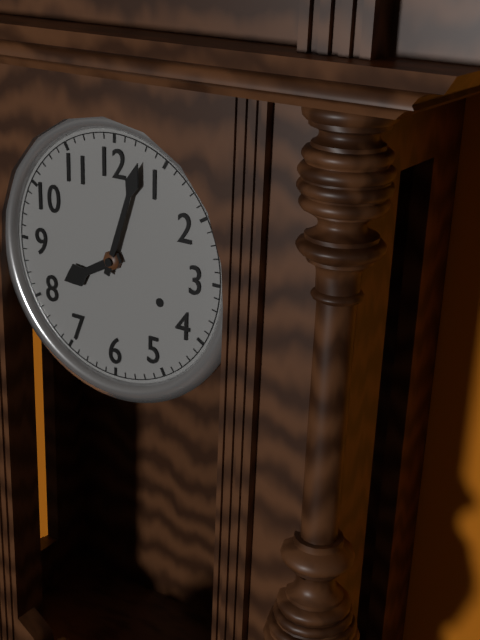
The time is **8:03**
